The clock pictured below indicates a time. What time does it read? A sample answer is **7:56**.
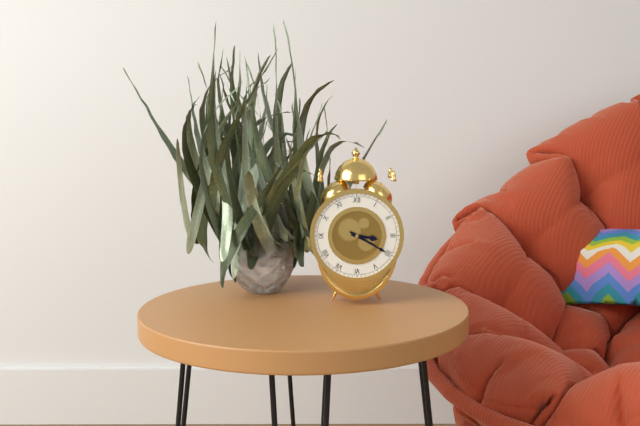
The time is **3:20**
